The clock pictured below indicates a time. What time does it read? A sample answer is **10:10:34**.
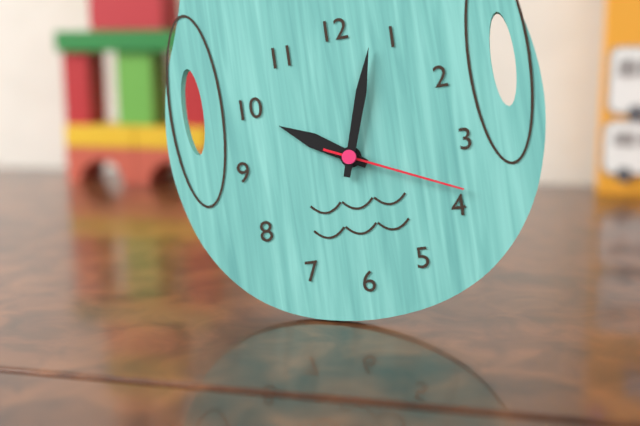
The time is **10:03:19**
